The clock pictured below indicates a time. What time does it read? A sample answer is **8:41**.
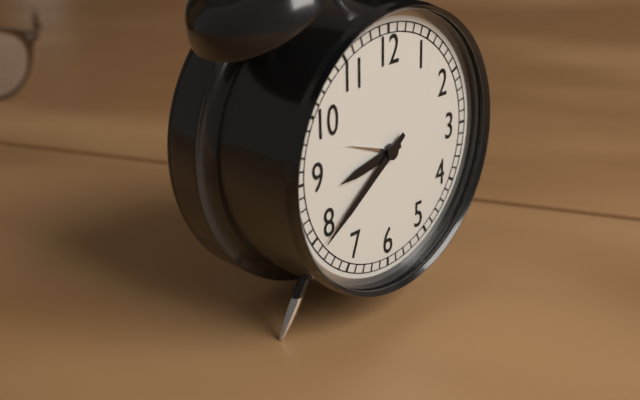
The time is **8:39**
